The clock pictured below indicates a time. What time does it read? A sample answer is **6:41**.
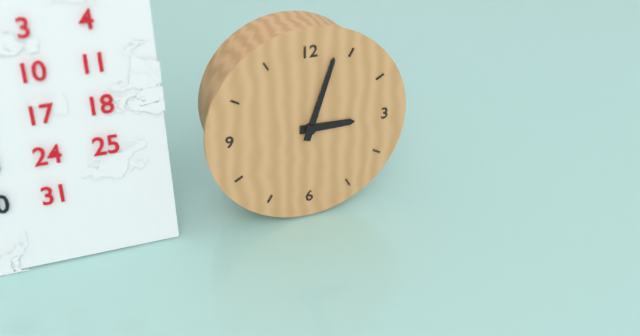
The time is **3:03**
